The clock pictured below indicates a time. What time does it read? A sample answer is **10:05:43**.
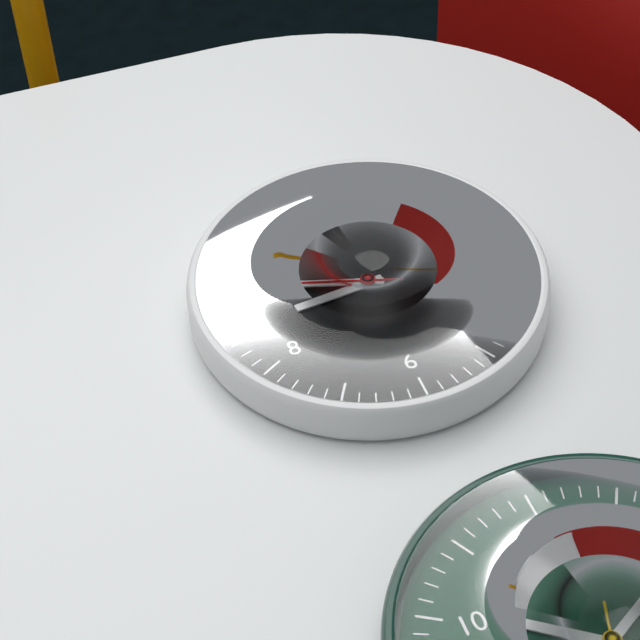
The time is **8:48:48**
